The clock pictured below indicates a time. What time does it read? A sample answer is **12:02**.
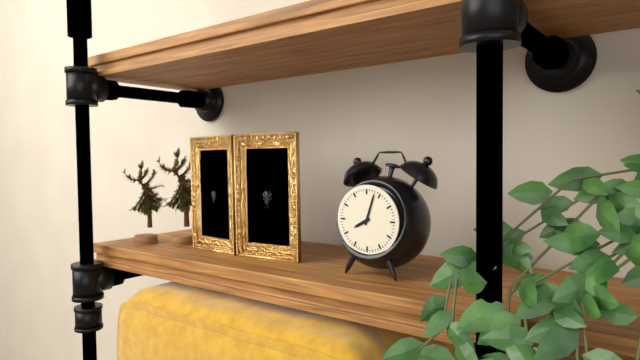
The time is **8:03**
